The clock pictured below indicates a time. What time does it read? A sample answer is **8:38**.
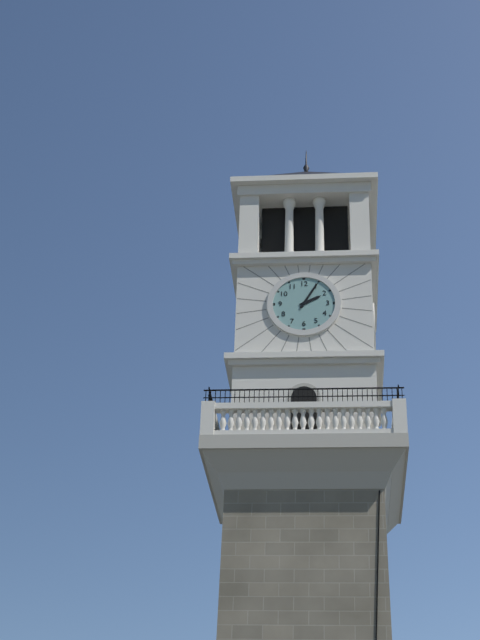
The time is **2:05**
